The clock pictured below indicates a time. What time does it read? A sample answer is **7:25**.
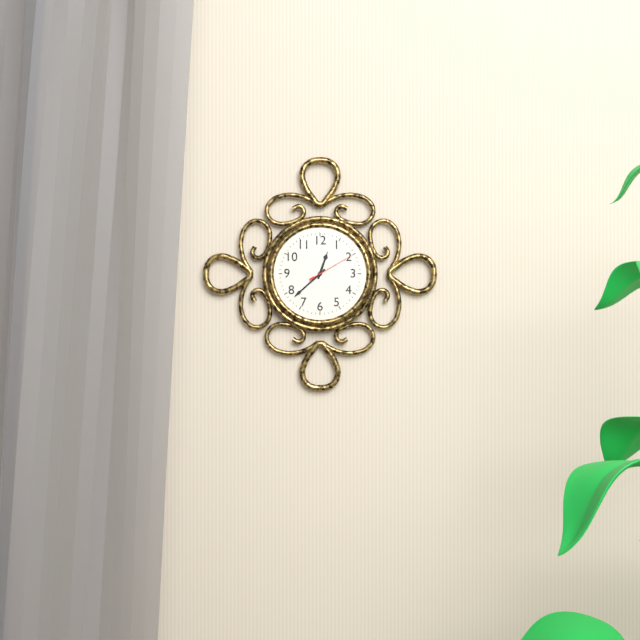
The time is **12:38**
